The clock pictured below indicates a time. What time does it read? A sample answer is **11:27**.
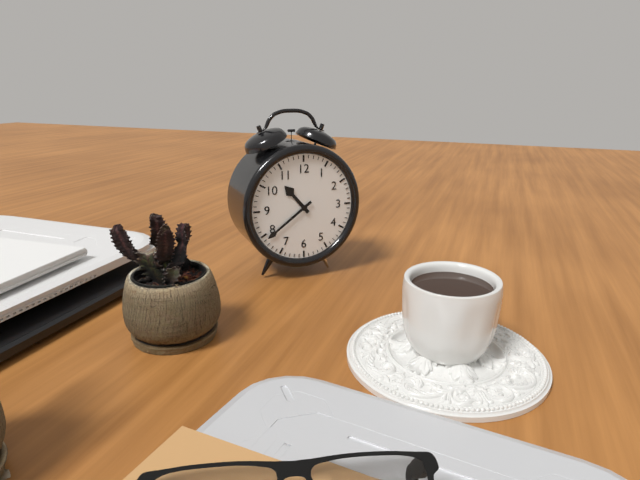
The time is **10:39**
